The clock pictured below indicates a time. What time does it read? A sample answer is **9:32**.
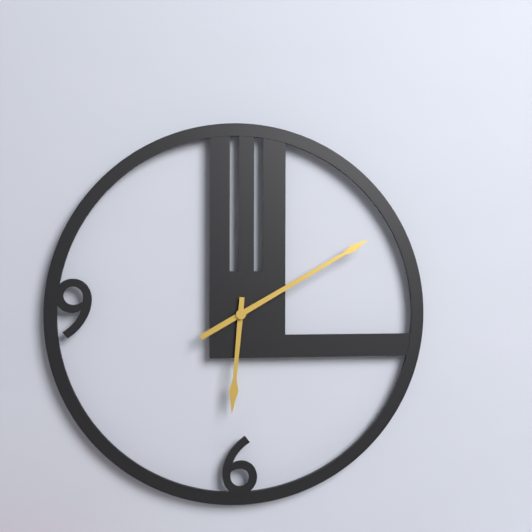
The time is **6:10**
